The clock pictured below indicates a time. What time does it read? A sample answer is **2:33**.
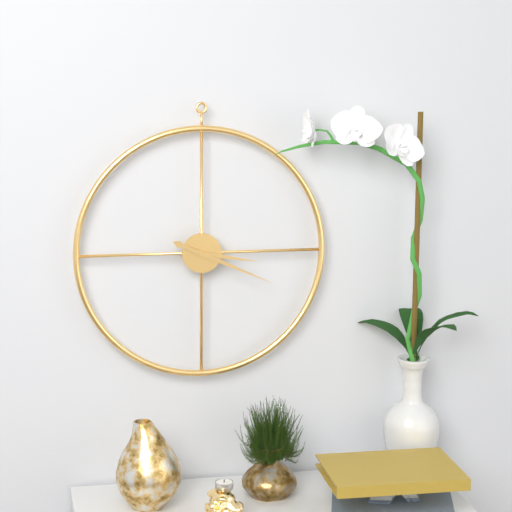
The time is **3:19**
